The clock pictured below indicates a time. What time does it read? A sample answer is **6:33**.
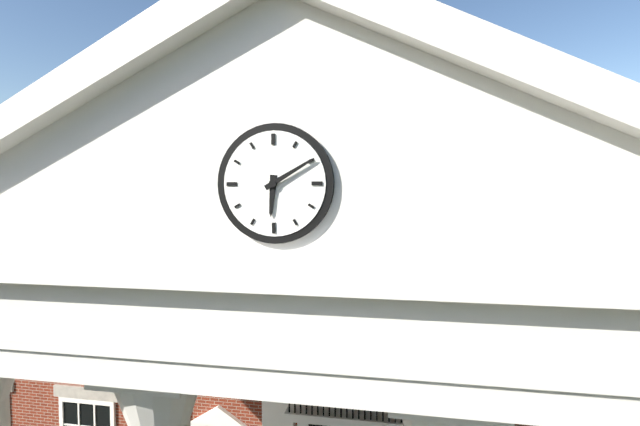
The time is **6:10**
